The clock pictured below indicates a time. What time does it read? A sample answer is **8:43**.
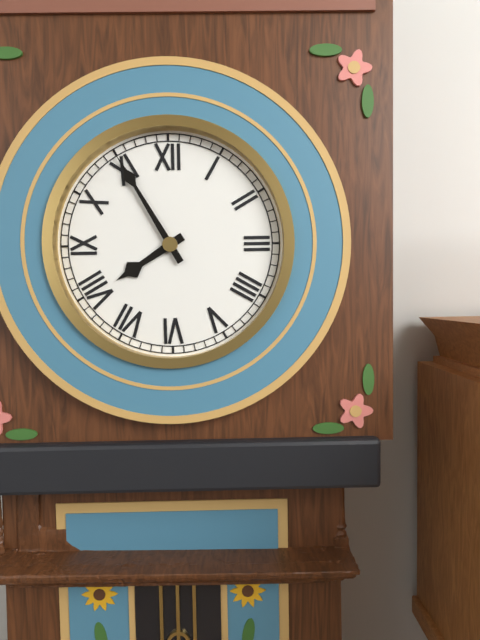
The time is **7:55**
